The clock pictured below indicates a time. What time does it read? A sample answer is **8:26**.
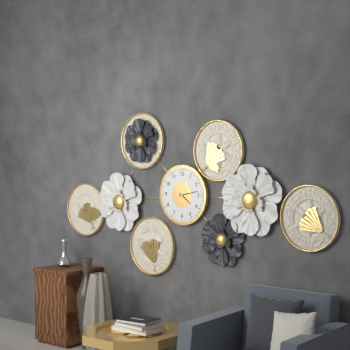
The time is **4:13**
